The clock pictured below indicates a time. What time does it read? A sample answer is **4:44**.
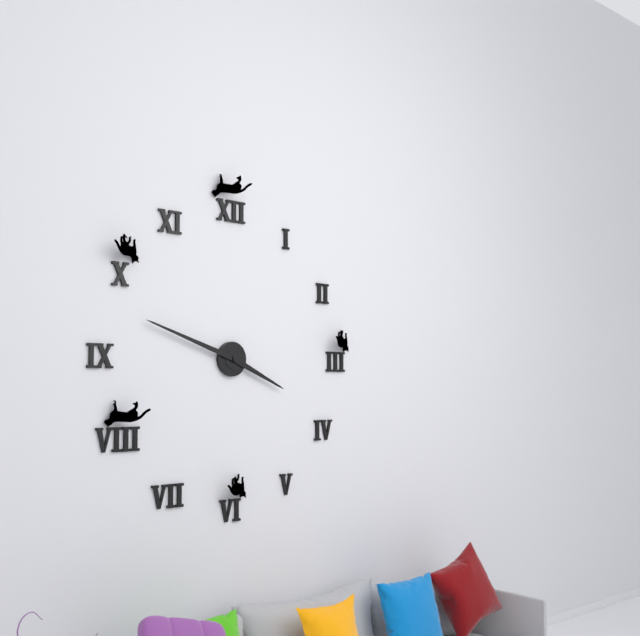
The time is **3:48**
